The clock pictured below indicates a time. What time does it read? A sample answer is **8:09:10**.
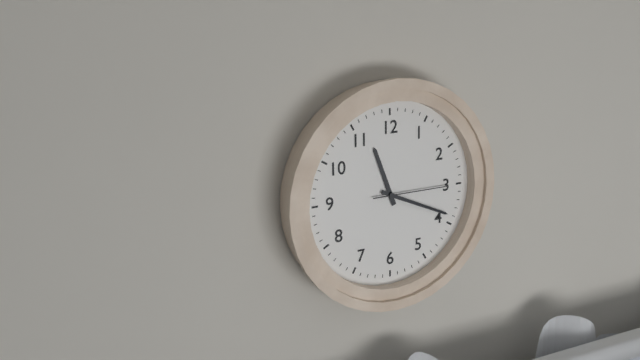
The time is **11:19:15**
